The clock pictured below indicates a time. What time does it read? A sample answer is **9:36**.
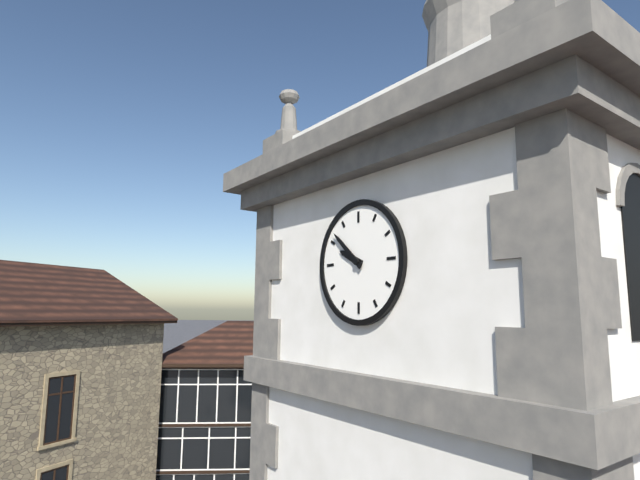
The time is **9:52**
